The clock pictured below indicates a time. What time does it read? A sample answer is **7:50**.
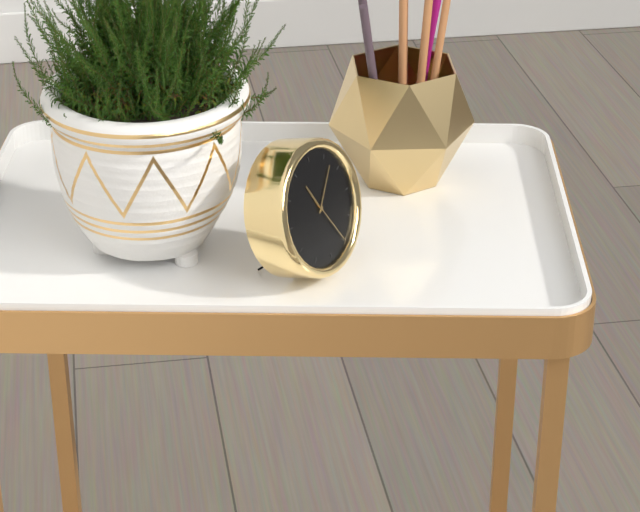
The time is **11:07**
